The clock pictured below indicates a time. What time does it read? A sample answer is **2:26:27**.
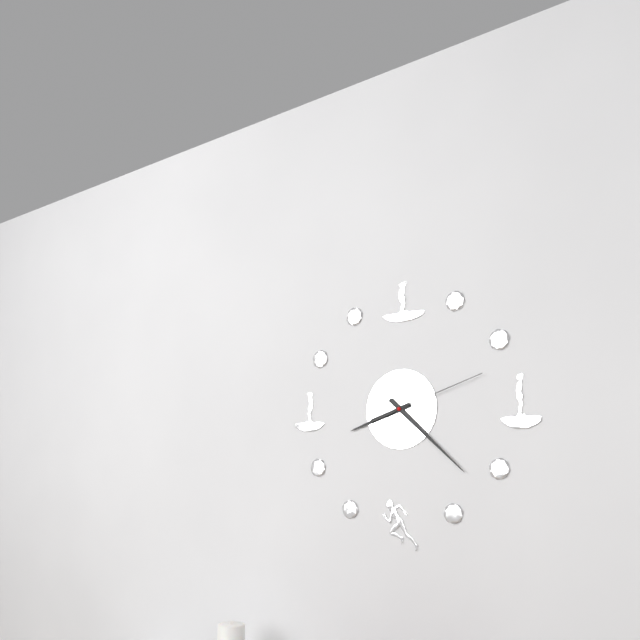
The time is **8:22:12**
